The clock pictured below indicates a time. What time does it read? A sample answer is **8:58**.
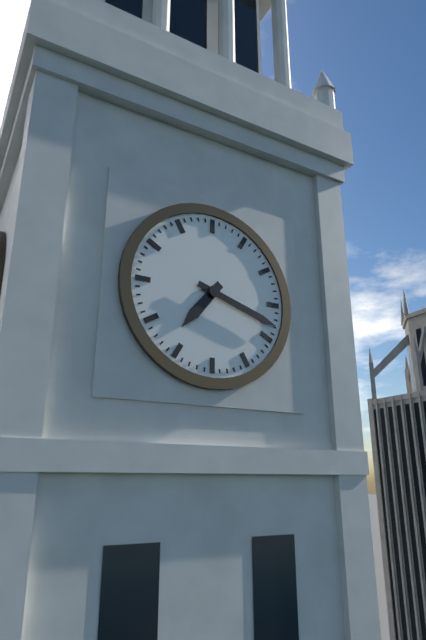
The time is **7:18**
